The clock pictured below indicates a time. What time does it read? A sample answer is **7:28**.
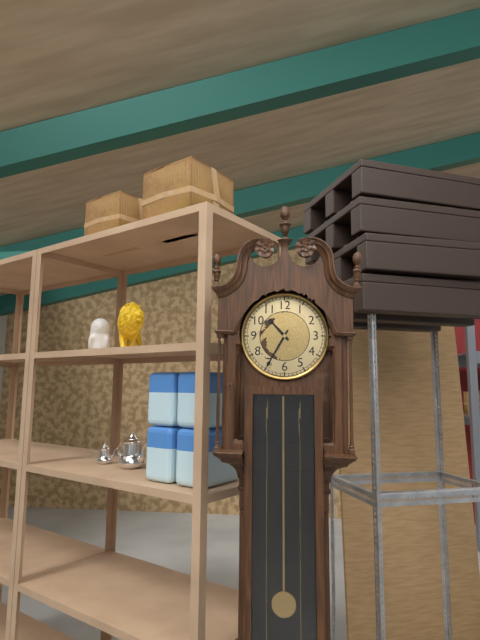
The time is **10:35**
